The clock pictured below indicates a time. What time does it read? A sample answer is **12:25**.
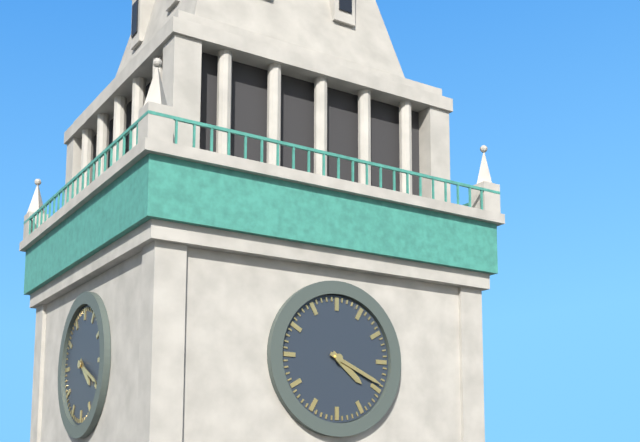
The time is **4:19**
